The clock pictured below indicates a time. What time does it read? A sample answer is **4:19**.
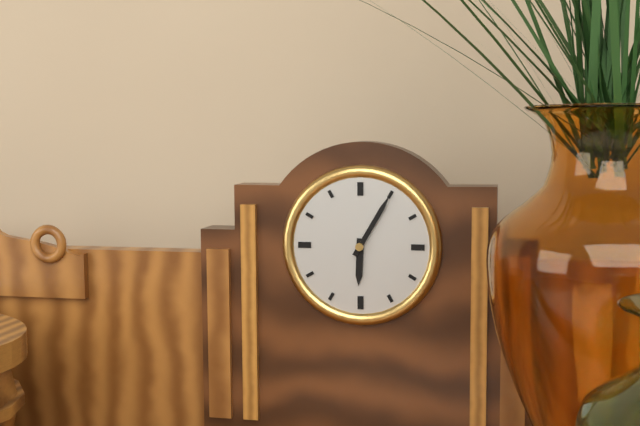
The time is **6:05**
